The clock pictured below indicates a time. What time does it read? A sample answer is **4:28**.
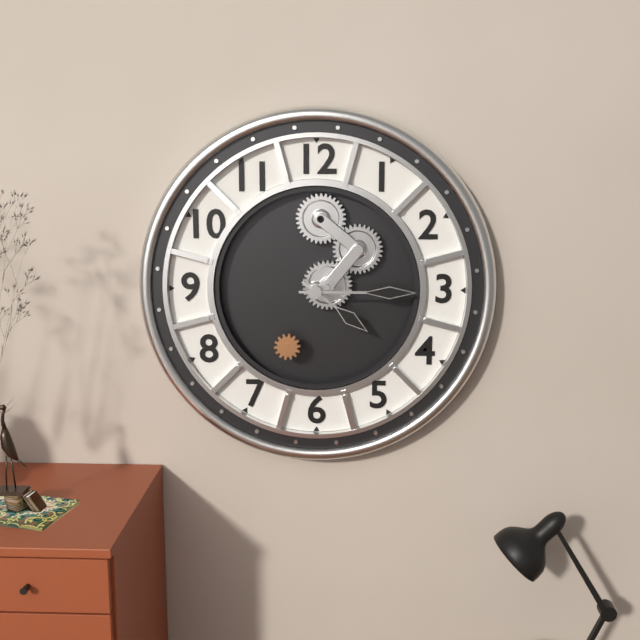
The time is **4:15**
